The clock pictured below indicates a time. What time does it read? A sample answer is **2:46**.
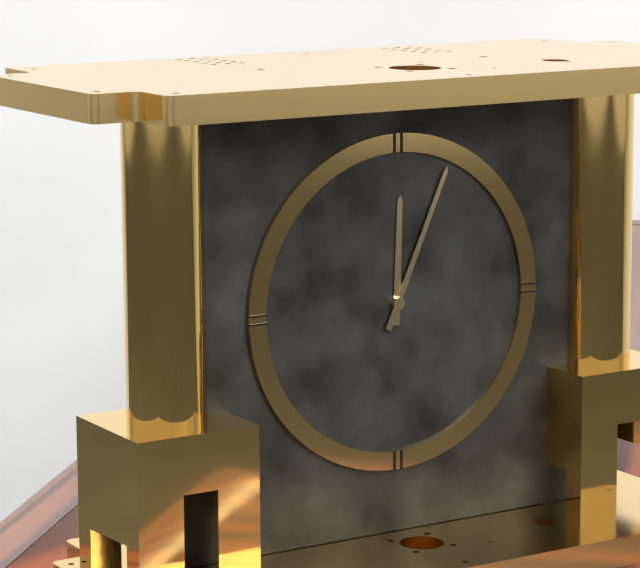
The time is **12:04**
